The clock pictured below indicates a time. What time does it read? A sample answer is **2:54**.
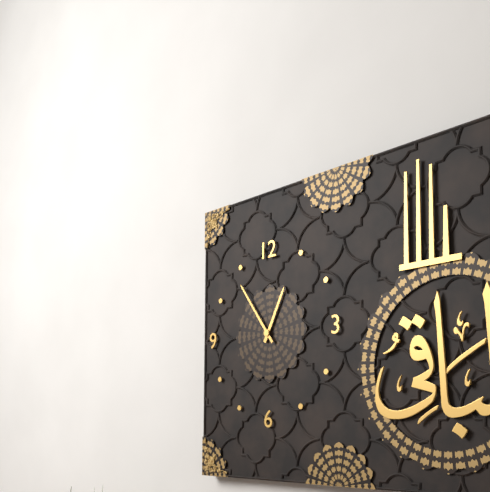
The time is **12:54**
